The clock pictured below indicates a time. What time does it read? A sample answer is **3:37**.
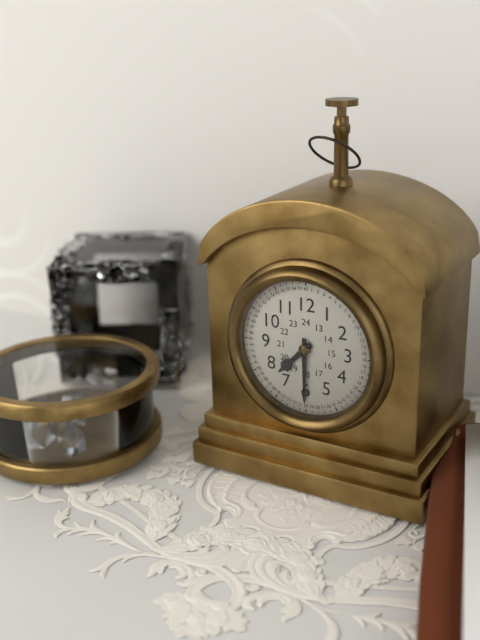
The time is **7:30**
